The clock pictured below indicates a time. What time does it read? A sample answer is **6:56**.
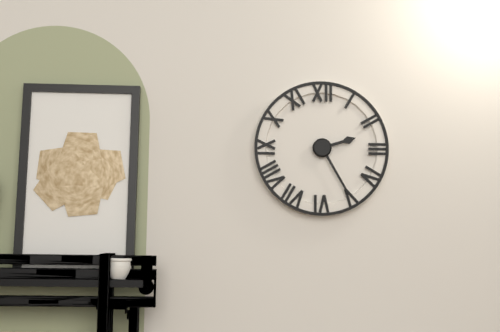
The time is **2:25**
